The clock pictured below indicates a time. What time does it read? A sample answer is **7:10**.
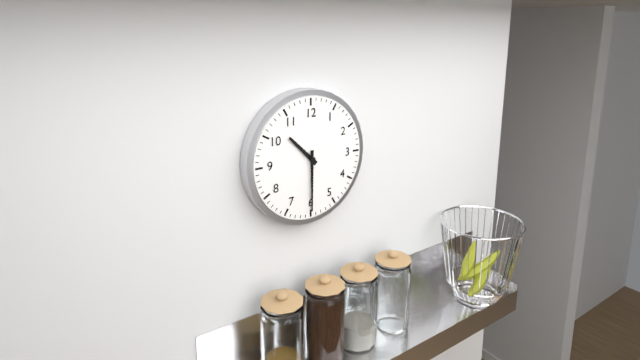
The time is **10:30**
